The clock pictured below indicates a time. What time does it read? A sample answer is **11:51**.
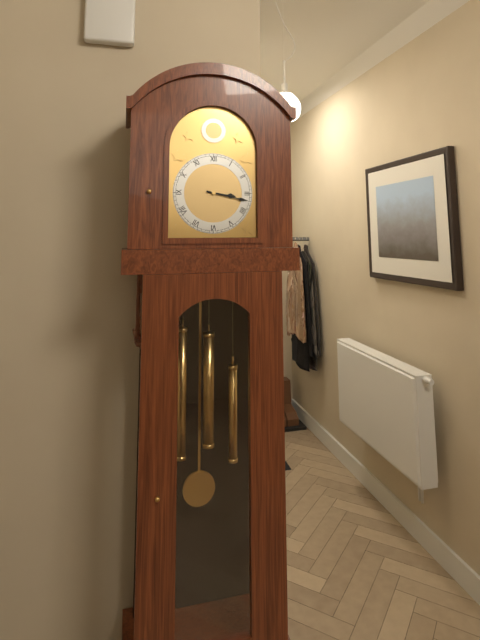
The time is **3:17**
